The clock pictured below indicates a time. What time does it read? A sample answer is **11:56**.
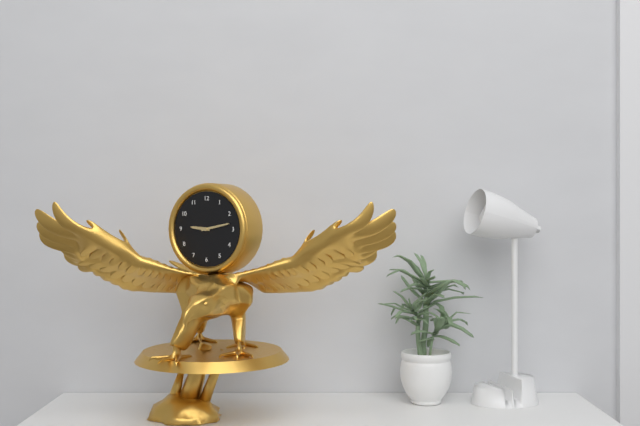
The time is **9:13**
